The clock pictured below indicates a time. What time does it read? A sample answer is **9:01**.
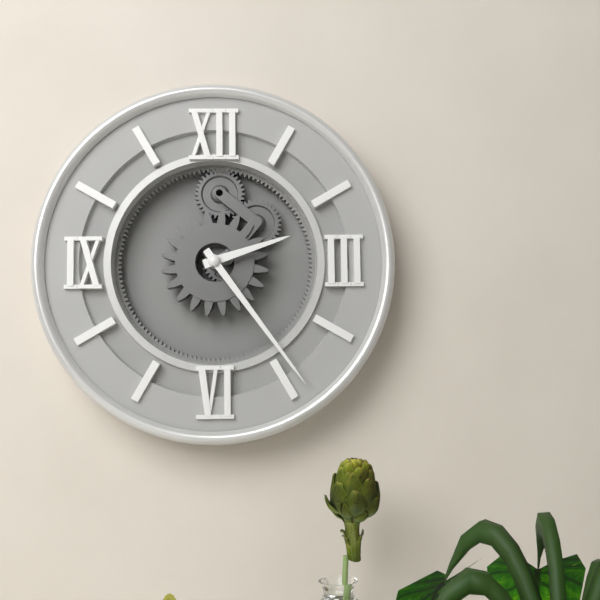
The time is **2:24**
